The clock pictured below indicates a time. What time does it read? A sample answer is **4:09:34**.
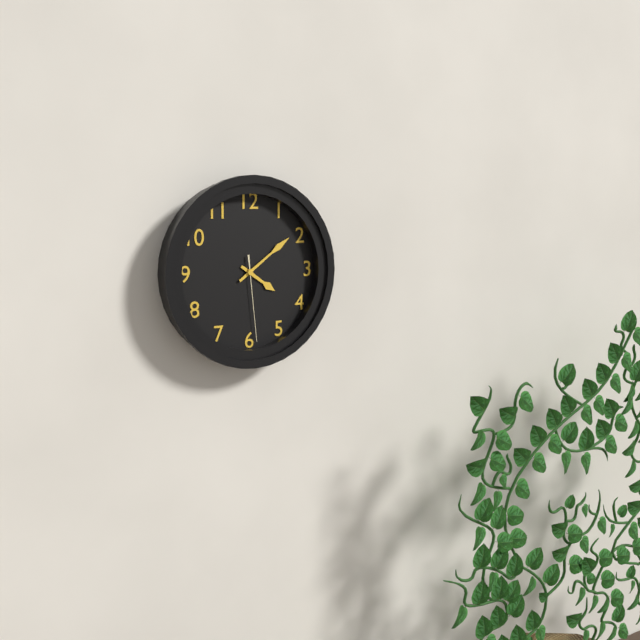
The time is **4:09:29**
